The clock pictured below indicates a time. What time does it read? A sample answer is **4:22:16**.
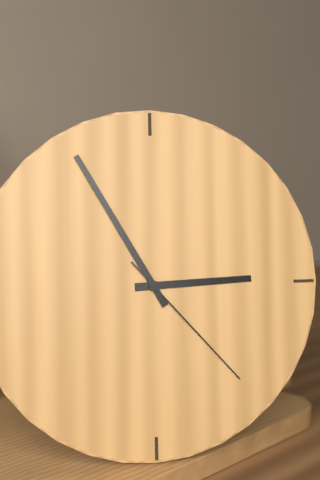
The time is **2:55:23**
